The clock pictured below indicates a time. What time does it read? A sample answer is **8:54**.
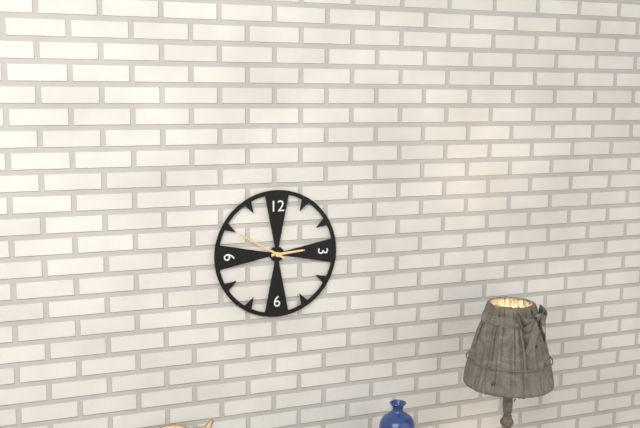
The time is **2:50**
